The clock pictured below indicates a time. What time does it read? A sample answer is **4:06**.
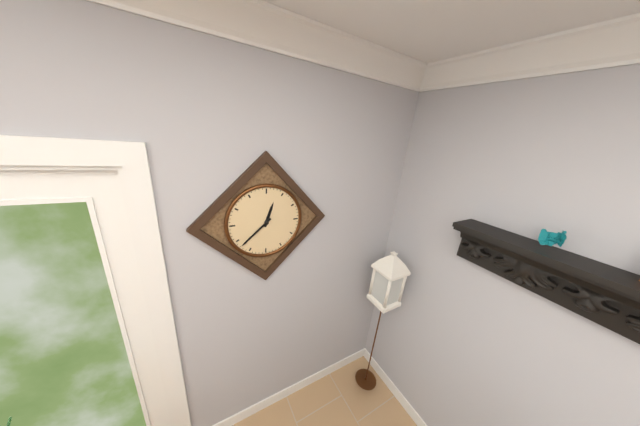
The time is **12:38**
